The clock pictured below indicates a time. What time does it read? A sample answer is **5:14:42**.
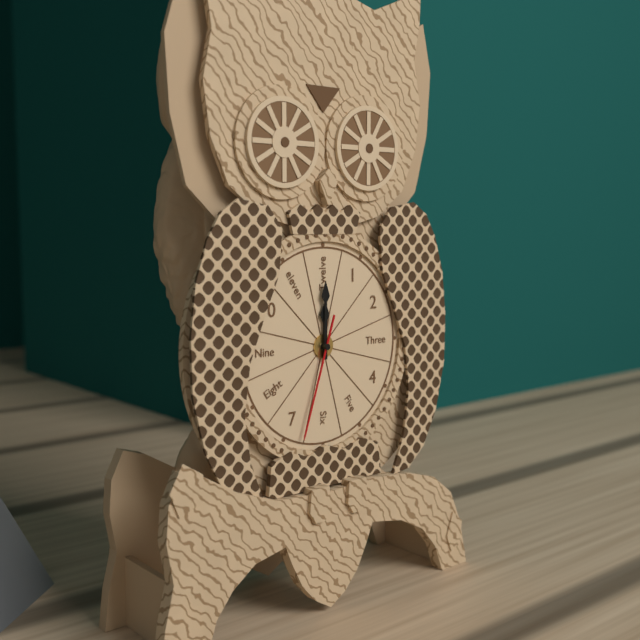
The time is **12:00:33**
